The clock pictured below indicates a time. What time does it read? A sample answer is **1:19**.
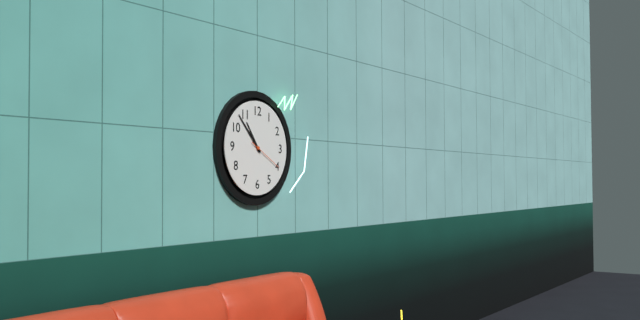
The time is **10:53**
